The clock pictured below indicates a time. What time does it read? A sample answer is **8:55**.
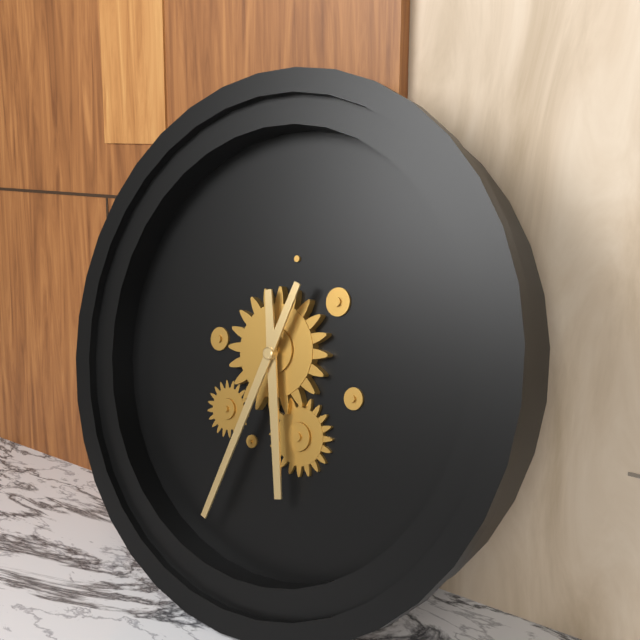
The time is **5:33**
